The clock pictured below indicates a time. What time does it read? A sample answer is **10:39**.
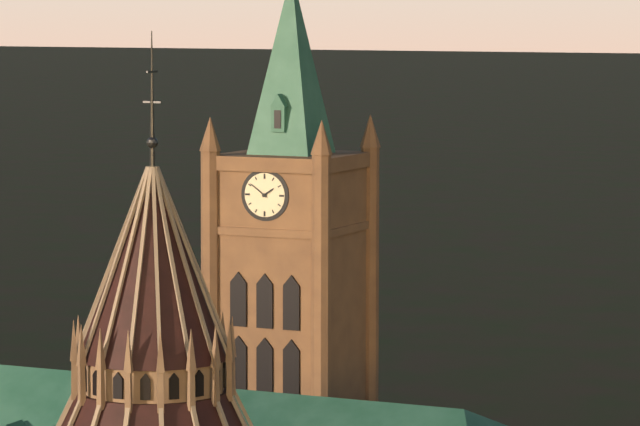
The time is **1:51**
